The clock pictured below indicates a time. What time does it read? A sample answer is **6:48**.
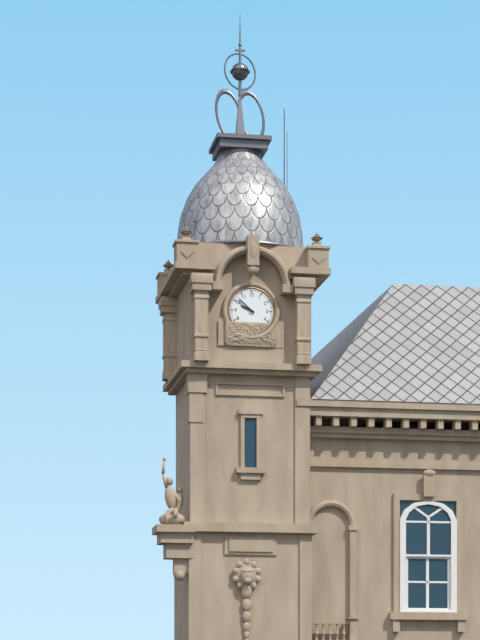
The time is **9:52**
